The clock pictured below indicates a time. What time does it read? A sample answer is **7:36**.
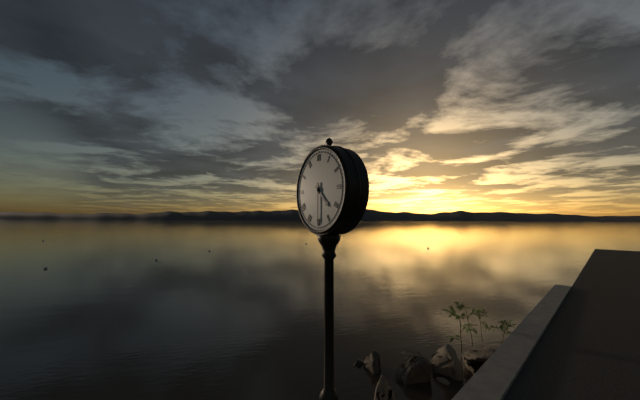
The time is **4:30**
